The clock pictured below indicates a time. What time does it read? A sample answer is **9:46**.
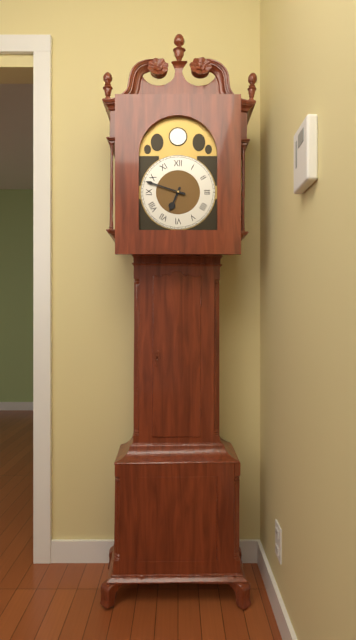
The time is **6:48**
